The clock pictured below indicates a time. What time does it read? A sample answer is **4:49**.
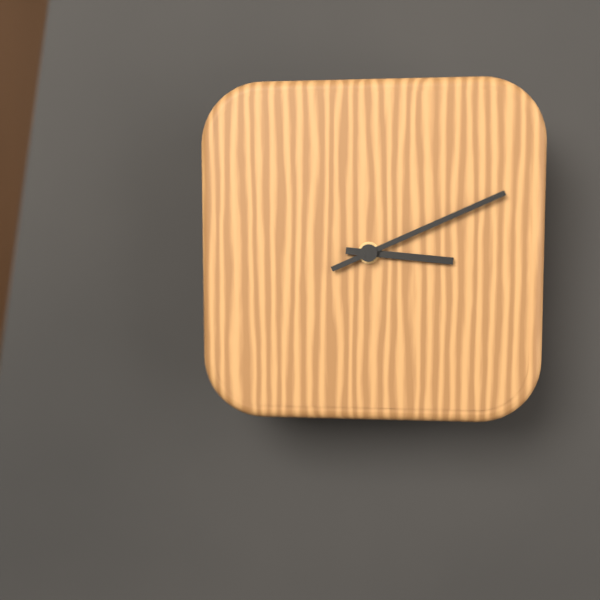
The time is **3:11**
